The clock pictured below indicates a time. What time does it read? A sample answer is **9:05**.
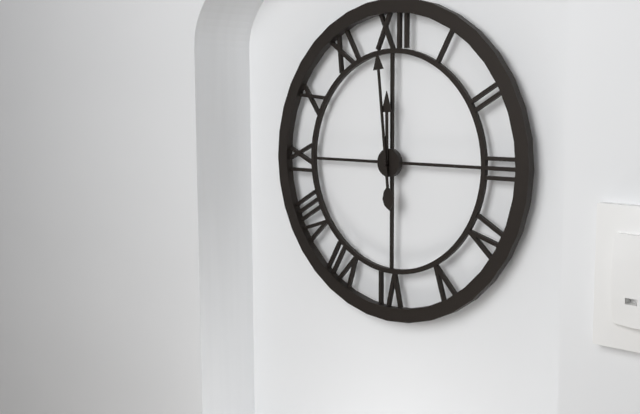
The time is **11:59**
